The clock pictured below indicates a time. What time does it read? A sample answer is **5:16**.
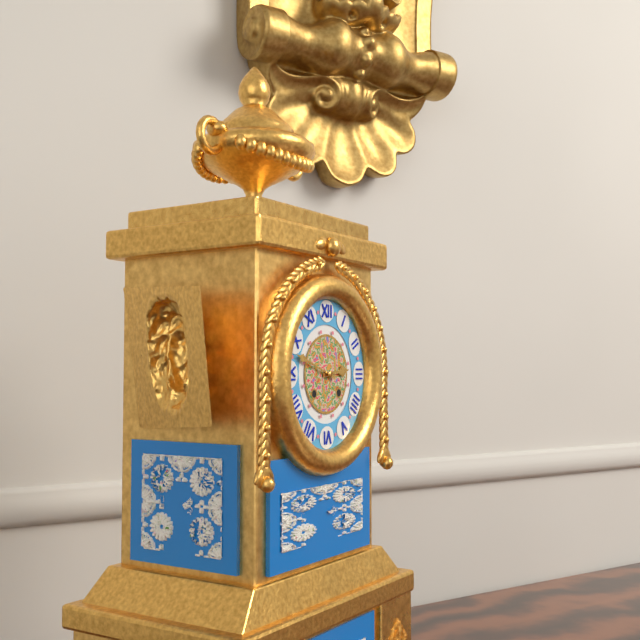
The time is **2:48**
